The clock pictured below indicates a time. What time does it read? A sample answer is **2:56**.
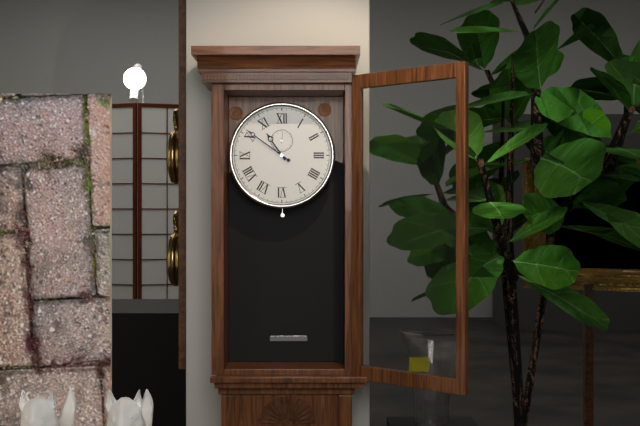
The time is **10:51**
